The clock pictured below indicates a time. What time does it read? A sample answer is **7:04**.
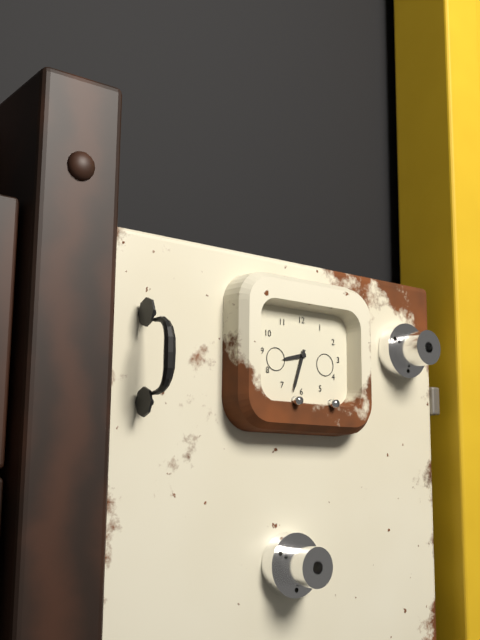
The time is **8:33**
